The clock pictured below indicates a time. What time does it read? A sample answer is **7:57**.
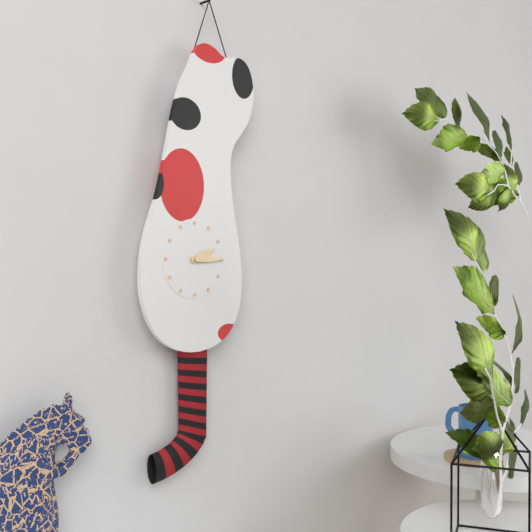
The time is **2:15**
